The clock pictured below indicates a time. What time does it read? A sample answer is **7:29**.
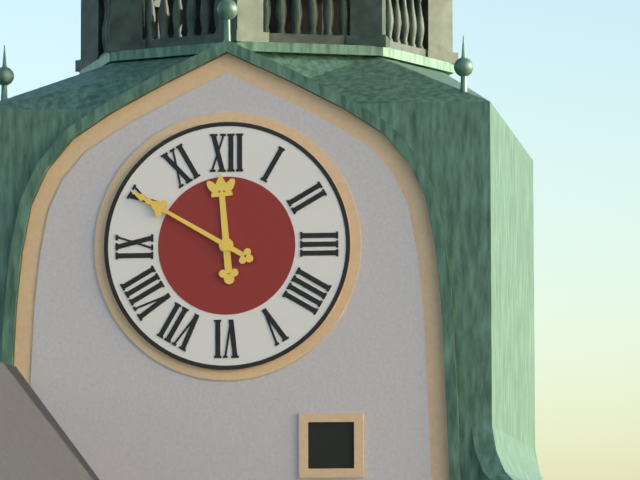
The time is **11:50**
